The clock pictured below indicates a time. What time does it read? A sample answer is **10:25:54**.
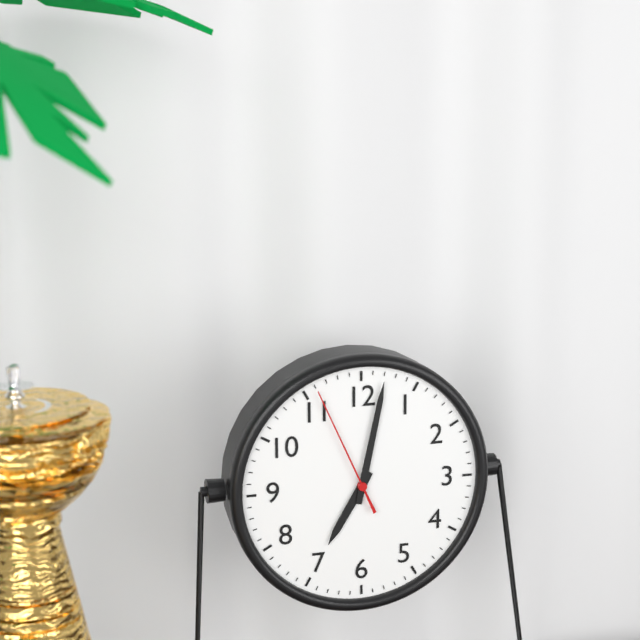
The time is **7:02:56**
